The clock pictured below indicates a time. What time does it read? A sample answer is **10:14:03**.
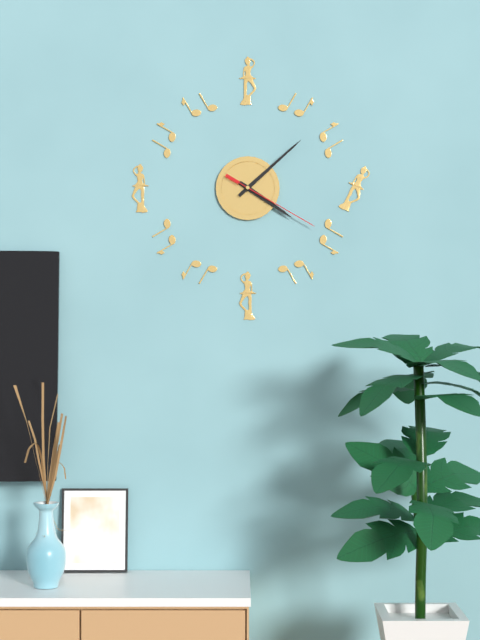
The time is **4:08:20**
